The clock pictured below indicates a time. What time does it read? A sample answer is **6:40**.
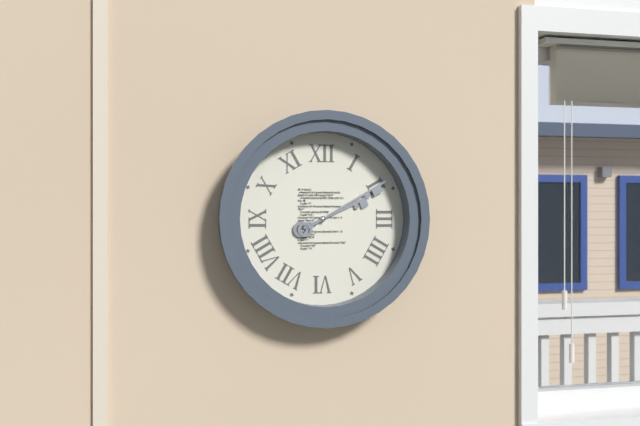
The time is **2:10**
